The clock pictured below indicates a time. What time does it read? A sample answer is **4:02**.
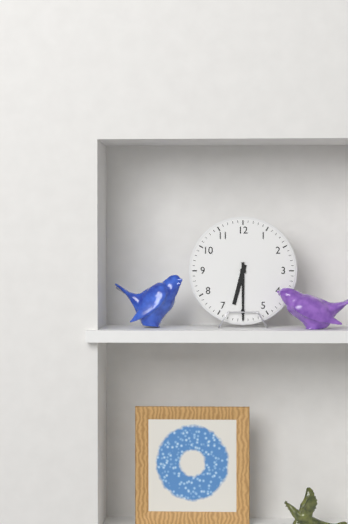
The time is **6:30**
